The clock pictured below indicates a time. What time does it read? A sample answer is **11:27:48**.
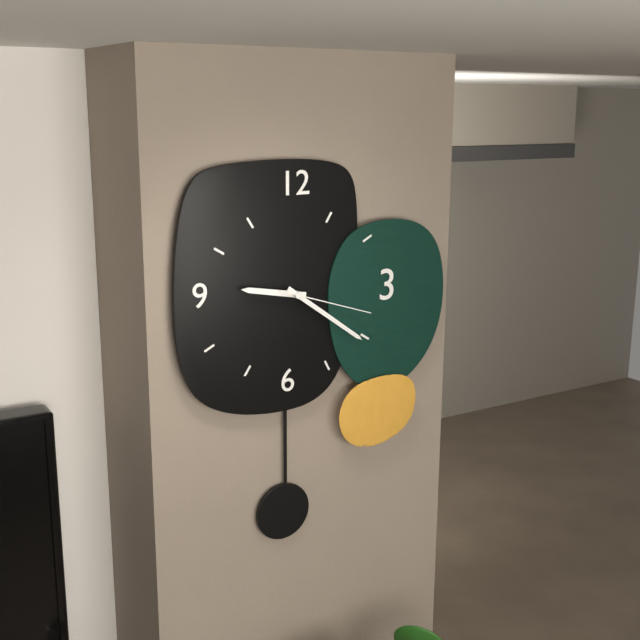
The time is **9:21:18**
